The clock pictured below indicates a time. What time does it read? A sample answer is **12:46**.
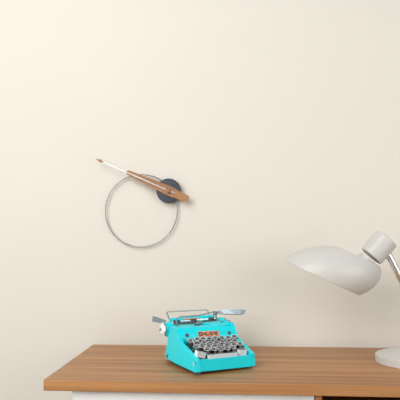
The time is **9:49**
